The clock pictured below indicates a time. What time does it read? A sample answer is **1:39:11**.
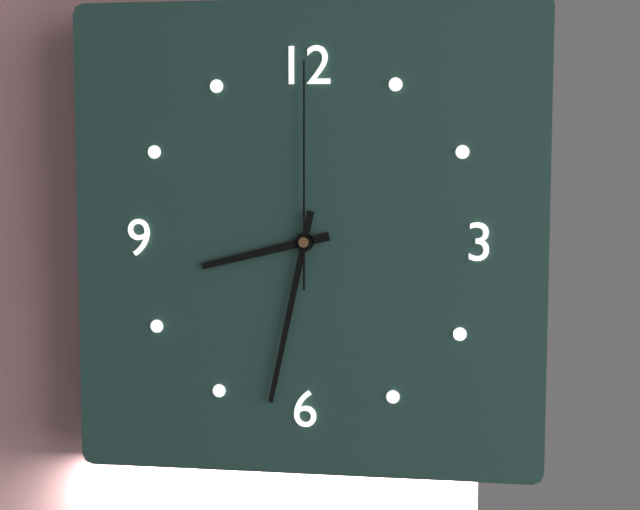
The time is **8:32:00**
